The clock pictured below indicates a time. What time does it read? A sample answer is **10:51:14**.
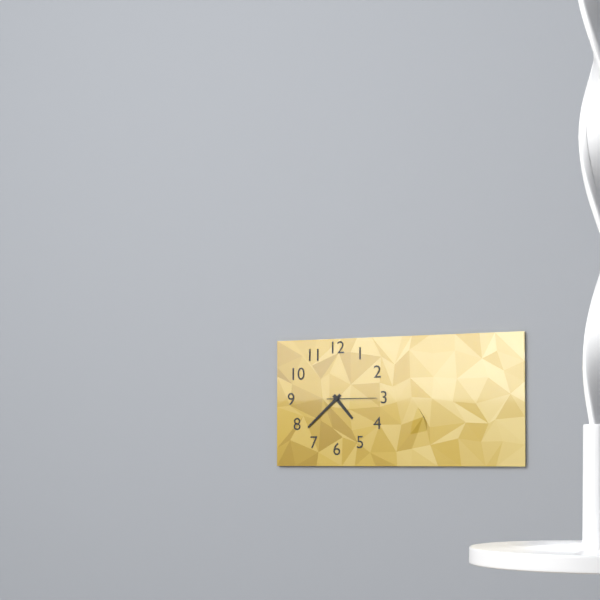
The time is **4:38:15**
